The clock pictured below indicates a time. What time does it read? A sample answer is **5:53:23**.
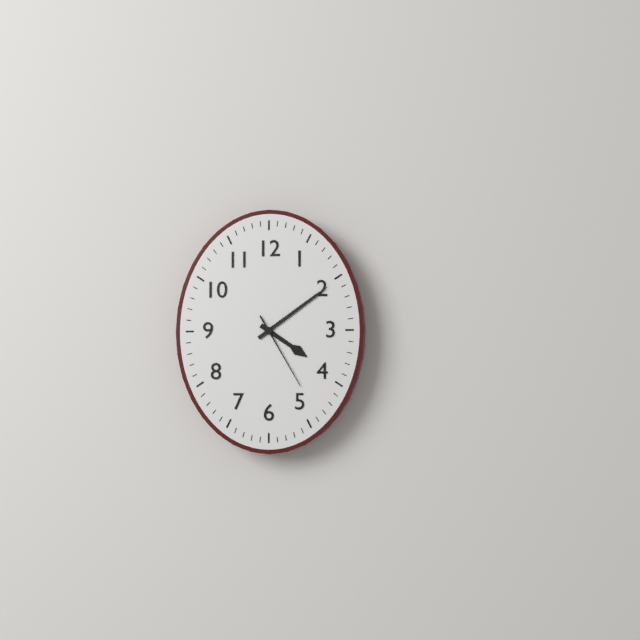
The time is **4:09:25**
